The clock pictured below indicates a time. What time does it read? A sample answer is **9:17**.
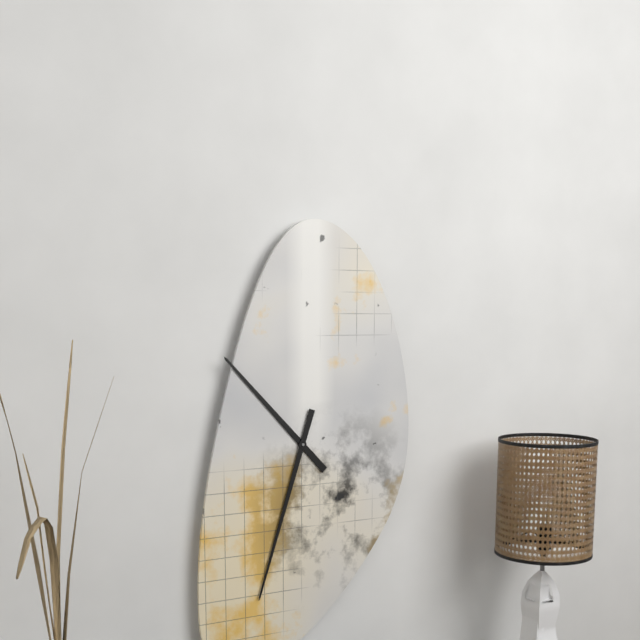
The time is **10:33**
